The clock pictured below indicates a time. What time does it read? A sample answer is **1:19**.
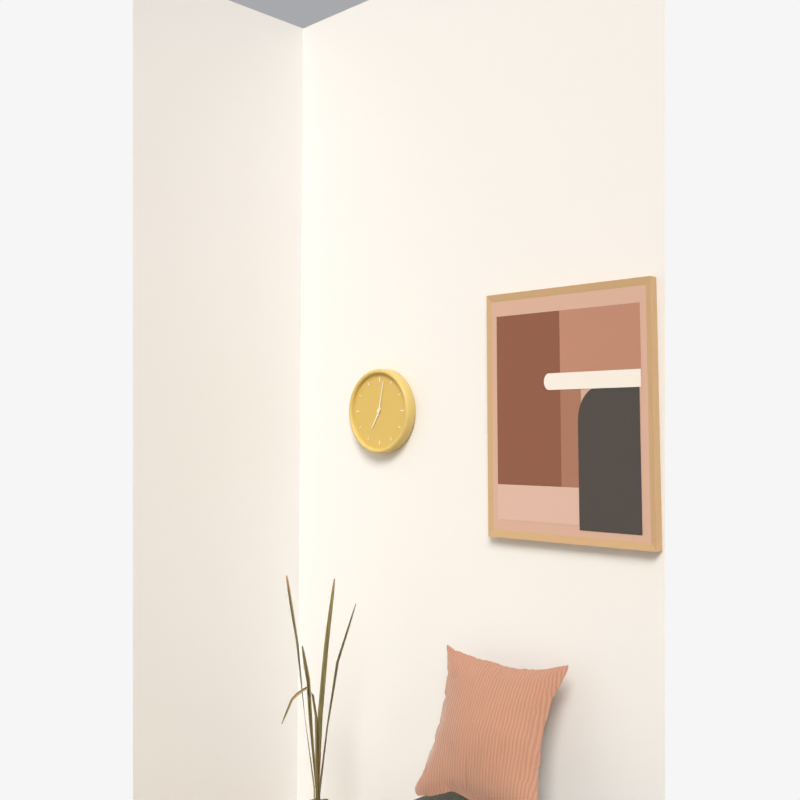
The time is **7:02**
